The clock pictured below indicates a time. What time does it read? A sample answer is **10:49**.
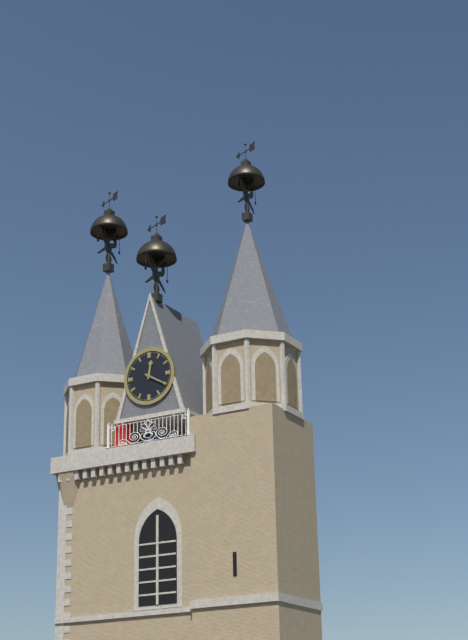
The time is **12:20**
